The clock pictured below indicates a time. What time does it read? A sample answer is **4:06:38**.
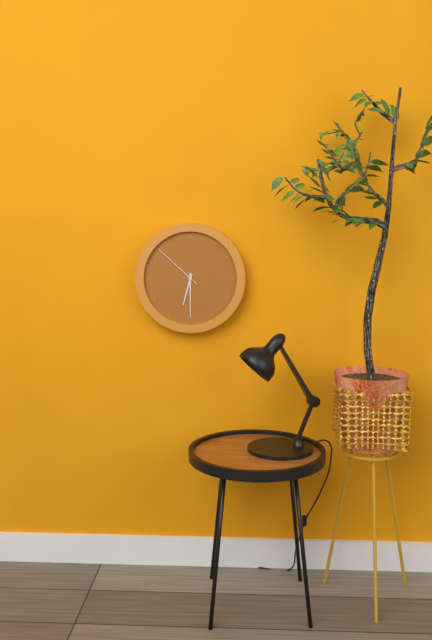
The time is **6:30:52**
